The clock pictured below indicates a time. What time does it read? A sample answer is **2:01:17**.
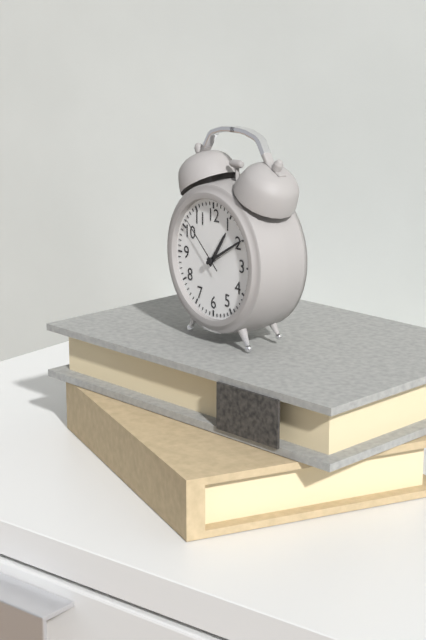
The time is **1:10:52**
